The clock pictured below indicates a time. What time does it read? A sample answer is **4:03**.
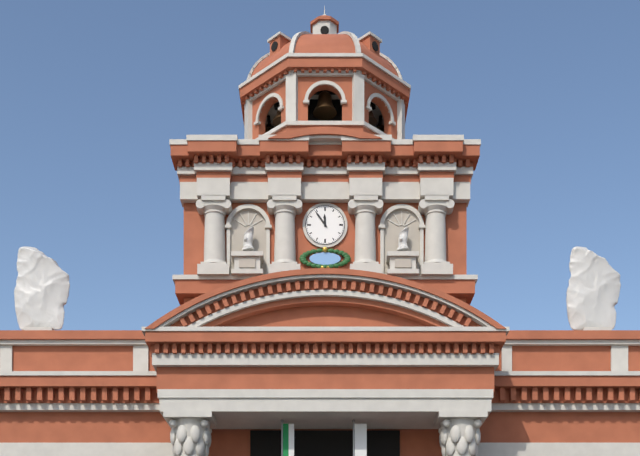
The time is **11:54**
